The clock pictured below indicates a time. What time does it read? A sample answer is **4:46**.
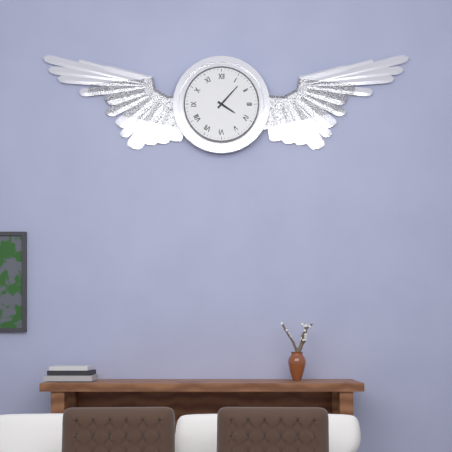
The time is **4:07**
